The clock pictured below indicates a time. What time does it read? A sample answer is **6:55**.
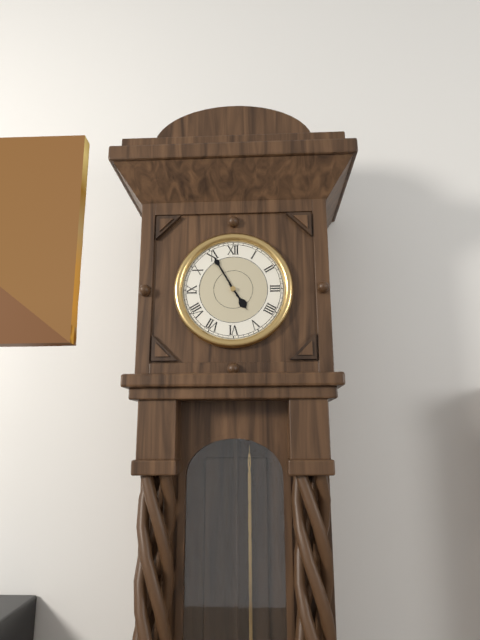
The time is **4:55**
